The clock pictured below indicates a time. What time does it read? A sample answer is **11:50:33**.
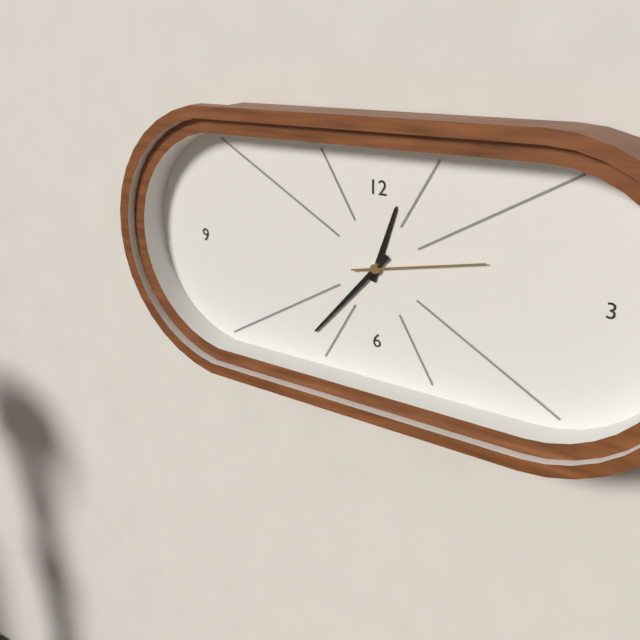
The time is **12:37:13**
